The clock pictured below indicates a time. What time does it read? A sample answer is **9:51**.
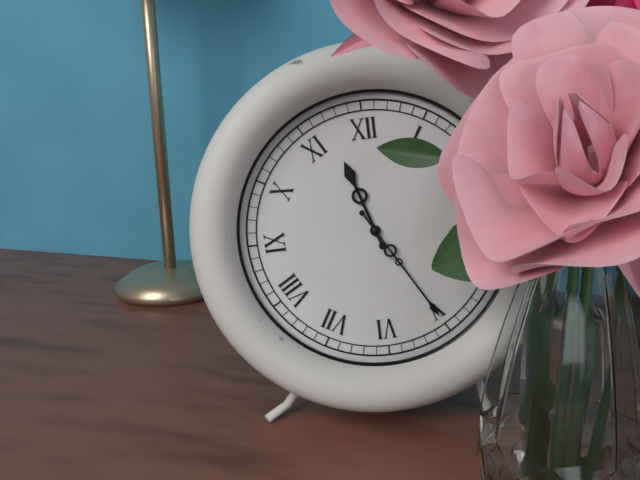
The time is **11:25**
